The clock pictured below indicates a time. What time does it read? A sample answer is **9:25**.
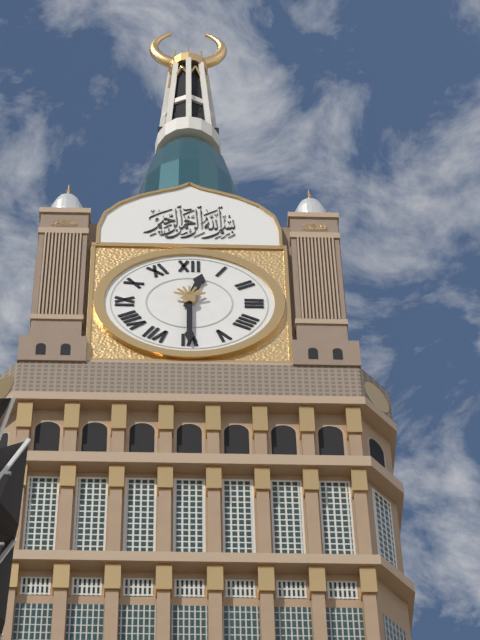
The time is **12:30**
